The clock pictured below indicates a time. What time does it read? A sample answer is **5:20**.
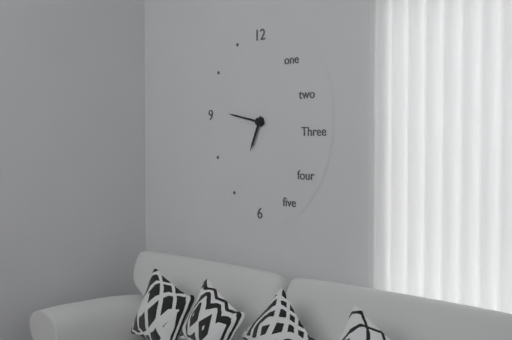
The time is **6:47**
